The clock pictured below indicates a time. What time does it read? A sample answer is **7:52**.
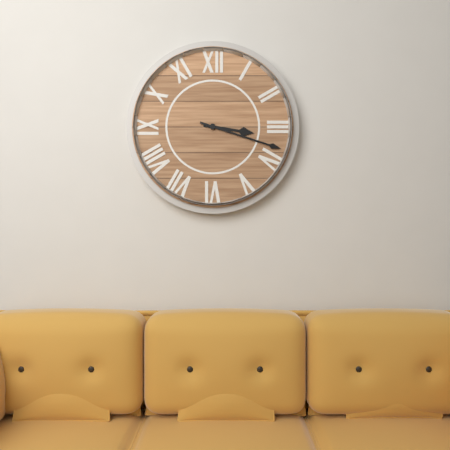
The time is **3:18**
